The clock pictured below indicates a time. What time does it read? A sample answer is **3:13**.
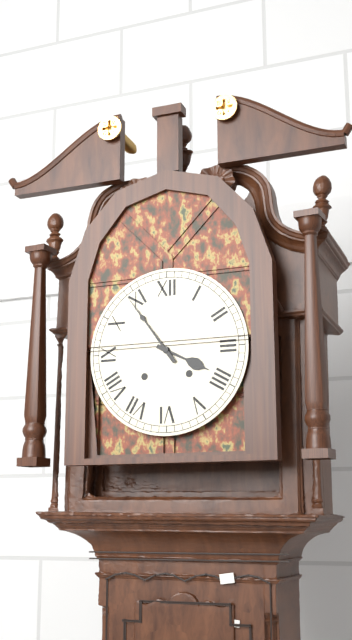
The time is **3:54**
